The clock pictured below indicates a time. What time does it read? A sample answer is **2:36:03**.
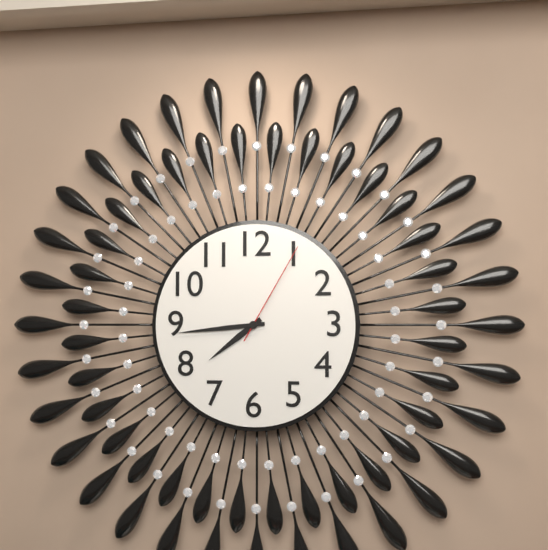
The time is **7:44:05**
